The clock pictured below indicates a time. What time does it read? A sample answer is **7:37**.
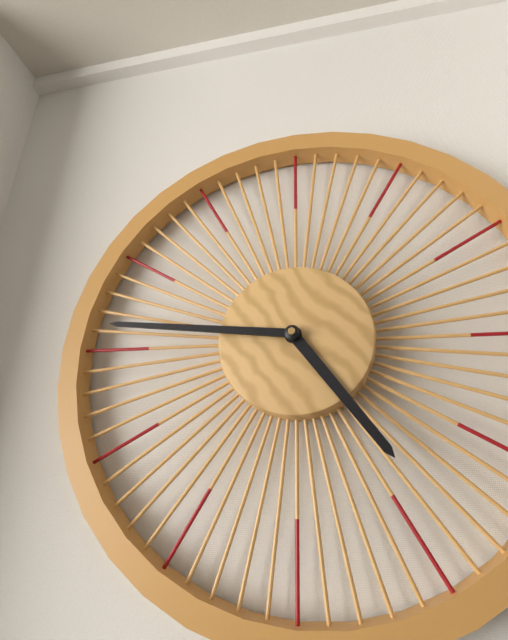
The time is **4:46**
